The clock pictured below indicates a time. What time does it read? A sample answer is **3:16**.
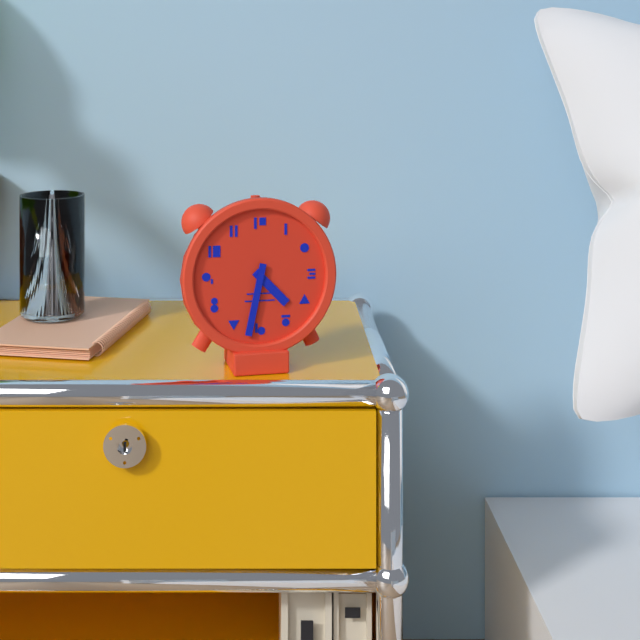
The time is **4:32**
